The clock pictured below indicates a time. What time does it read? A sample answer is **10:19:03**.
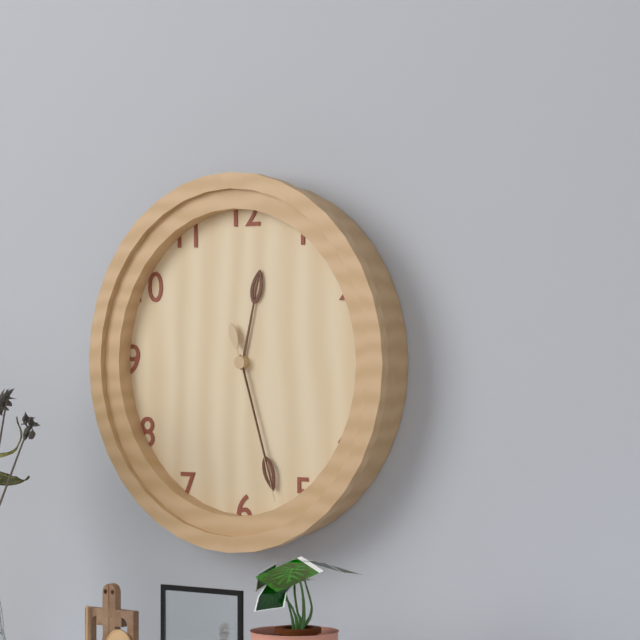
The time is **12:27:27**
